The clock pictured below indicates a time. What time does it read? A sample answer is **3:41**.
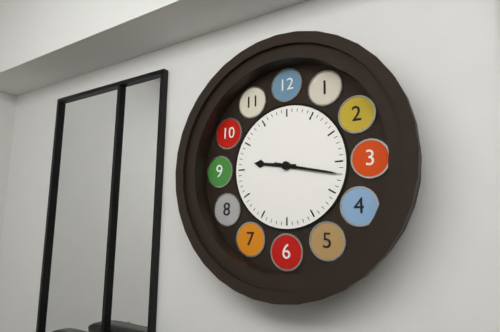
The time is **9:17**
